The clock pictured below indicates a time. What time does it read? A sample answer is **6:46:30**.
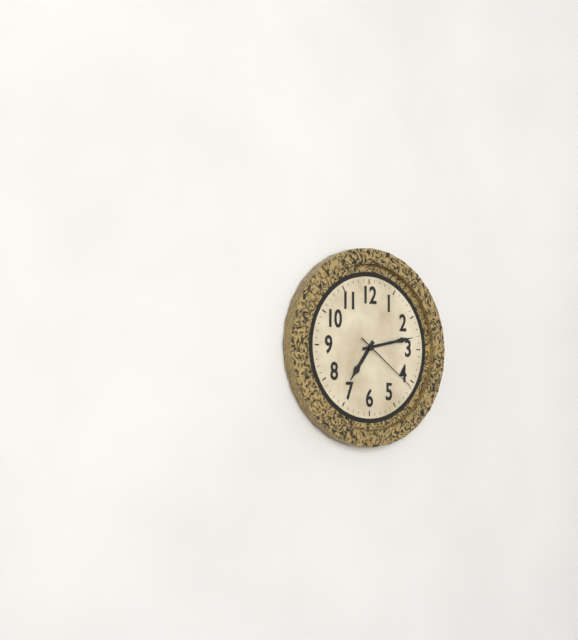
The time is **7:13:21**
